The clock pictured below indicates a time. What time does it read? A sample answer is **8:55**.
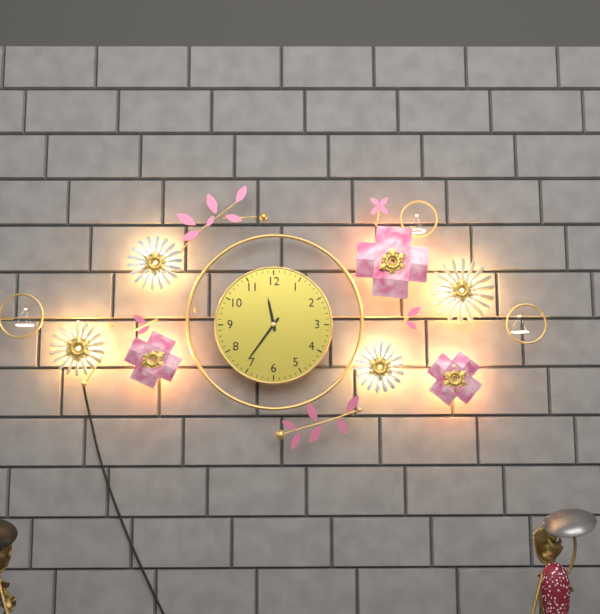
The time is **11:36**
